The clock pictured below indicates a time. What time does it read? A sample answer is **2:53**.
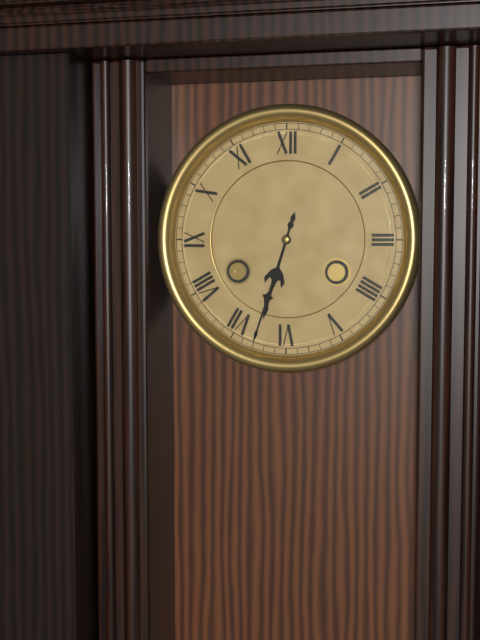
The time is **6:33**
